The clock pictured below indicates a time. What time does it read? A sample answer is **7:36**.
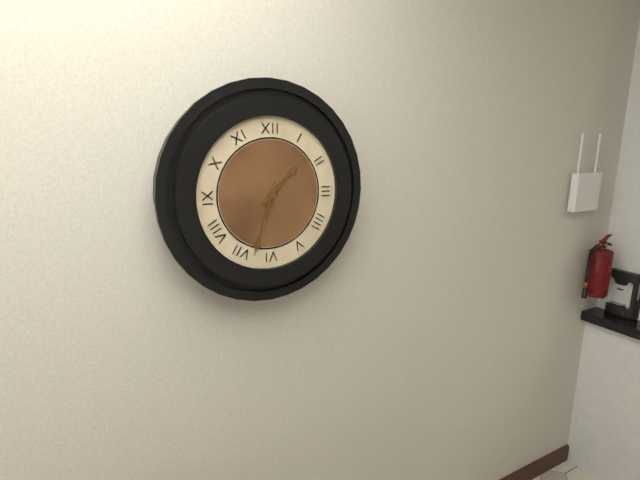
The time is **1:33**
